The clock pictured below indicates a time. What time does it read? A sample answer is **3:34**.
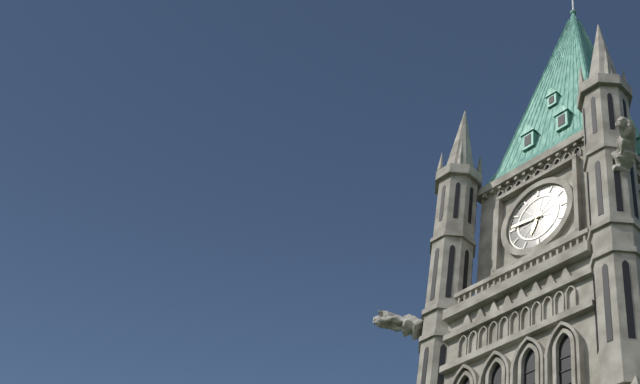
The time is **6:46**
